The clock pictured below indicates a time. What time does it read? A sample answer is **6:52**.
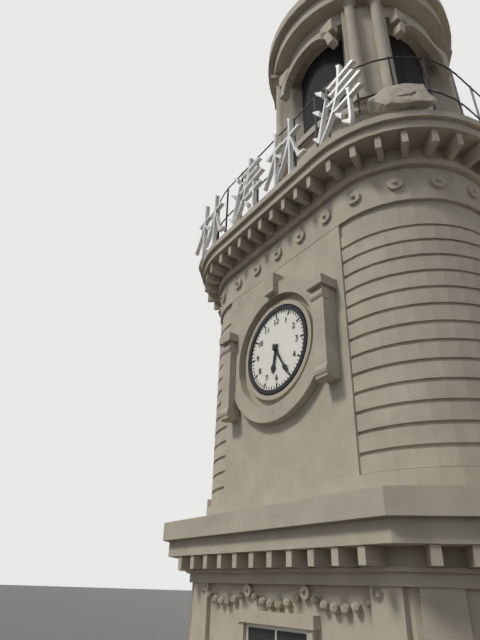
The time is **6:25**
